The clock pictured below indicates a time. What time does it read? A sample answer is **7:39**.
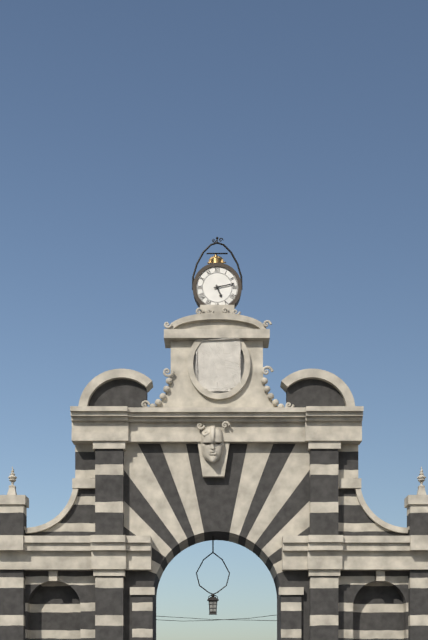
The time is **5:13**
